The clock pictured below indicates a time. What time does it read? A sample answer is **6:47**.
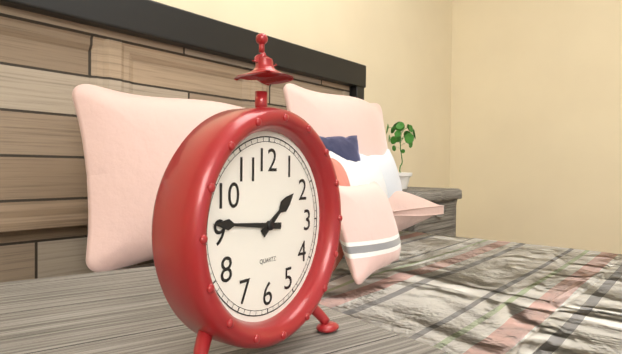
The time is **1:46**
